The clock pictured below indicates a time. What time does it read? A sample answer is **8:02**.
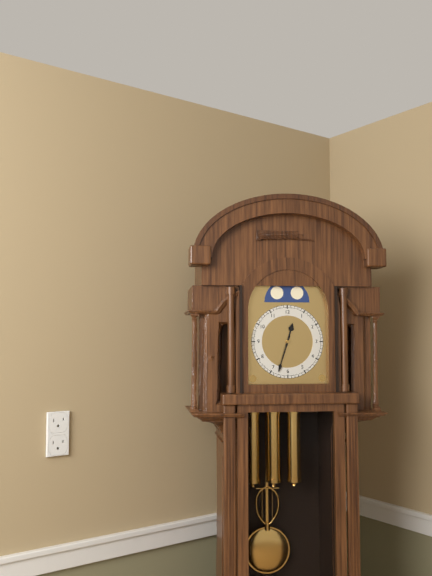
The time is **12:33**
